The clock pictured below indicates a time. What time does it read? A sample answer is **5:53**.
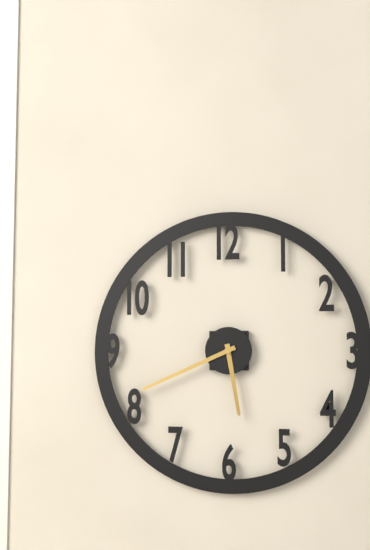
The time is **5:41**
